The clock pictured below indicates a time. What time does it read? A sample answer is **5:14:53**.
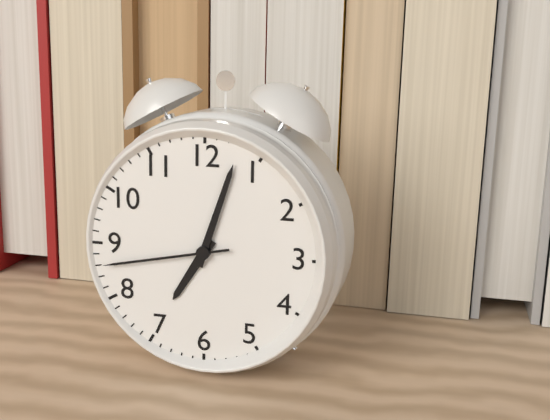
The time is **7:03:43**
